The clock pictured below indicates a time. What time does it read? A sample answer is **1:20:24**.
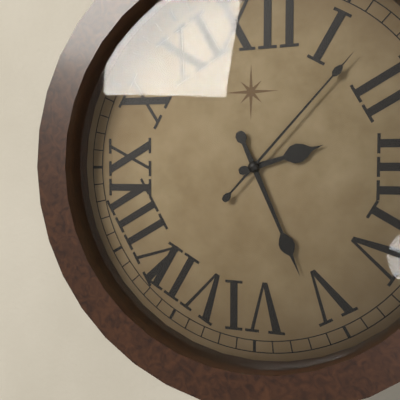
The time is **2:26:07**
